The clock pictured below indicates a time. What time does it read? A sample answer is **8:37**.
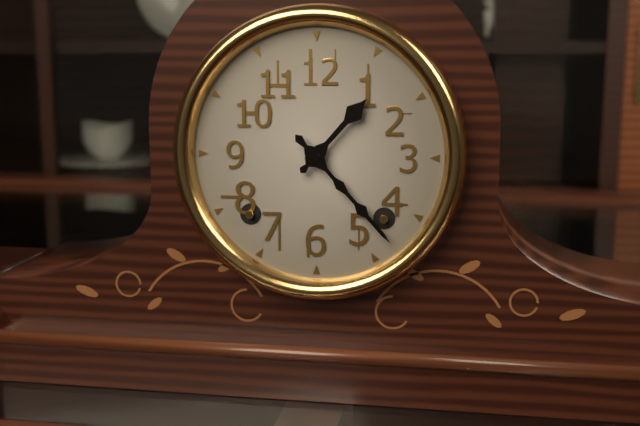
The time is **1:23**
